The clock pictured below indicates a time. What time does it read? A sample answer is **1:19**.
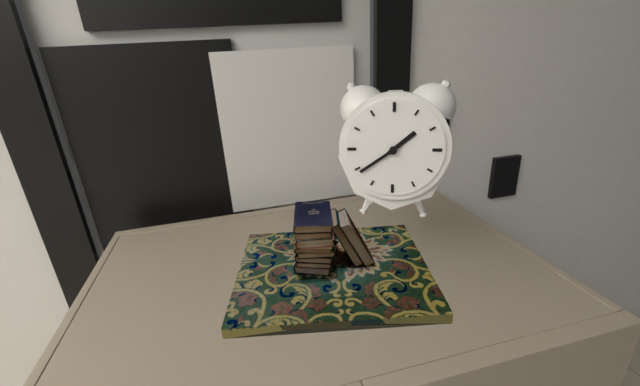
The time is **1:39**
